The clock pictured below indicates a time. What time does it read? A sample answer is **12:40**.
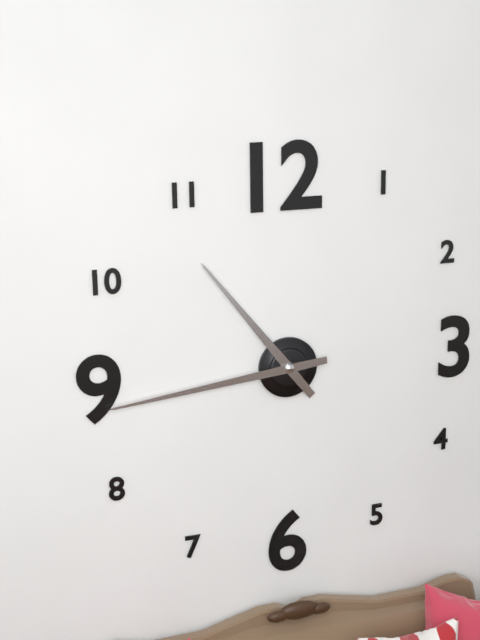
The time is **10:44**
